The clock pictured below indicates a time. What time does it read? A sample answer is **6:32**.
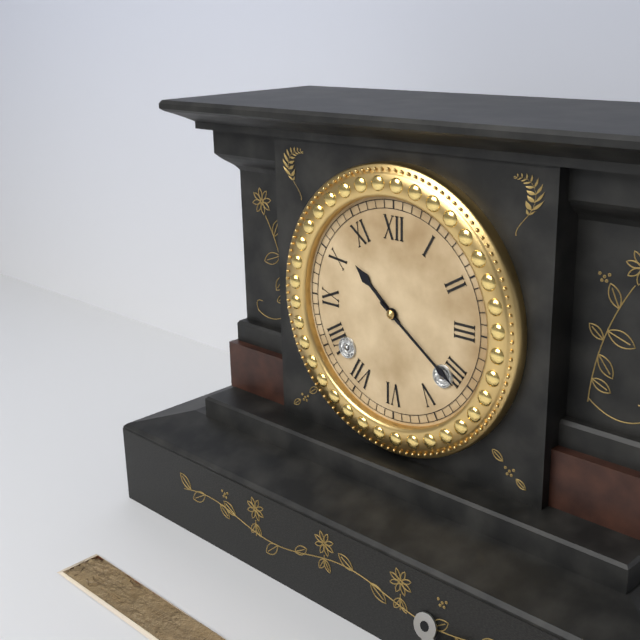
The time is **10:21**
